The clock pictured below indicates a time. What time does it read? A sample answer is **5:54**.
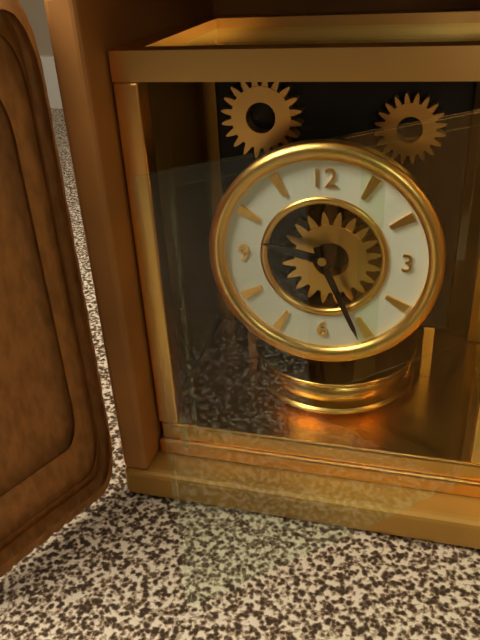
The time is **9:26**
